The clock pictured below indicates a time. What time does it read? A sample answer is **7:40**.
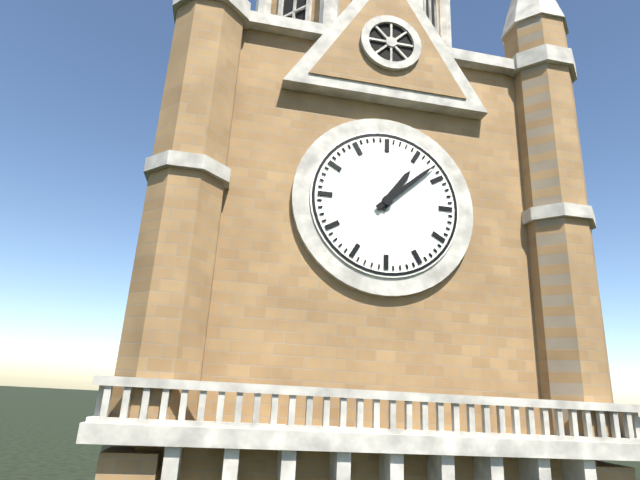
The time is **1:08**
